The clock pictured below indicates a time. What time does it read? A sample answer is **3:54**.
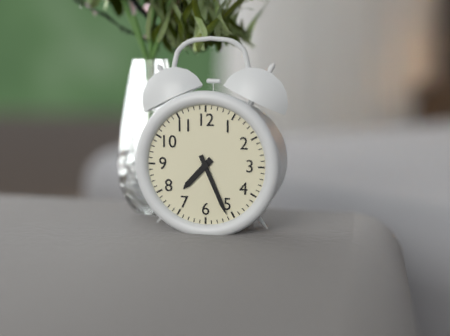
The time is **7:26**
